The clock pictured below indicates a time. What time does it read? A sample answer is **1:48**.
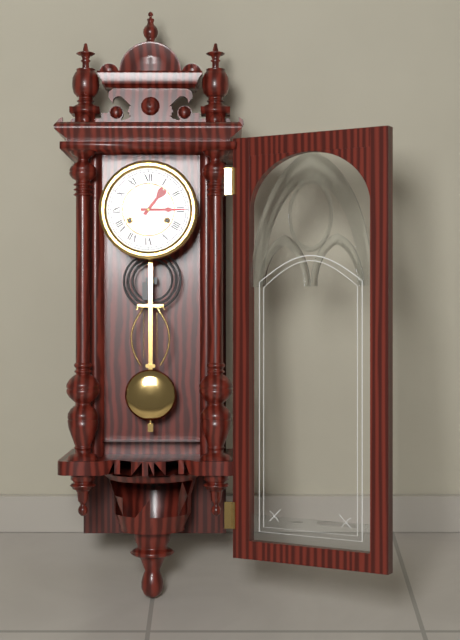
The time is **1:15**
